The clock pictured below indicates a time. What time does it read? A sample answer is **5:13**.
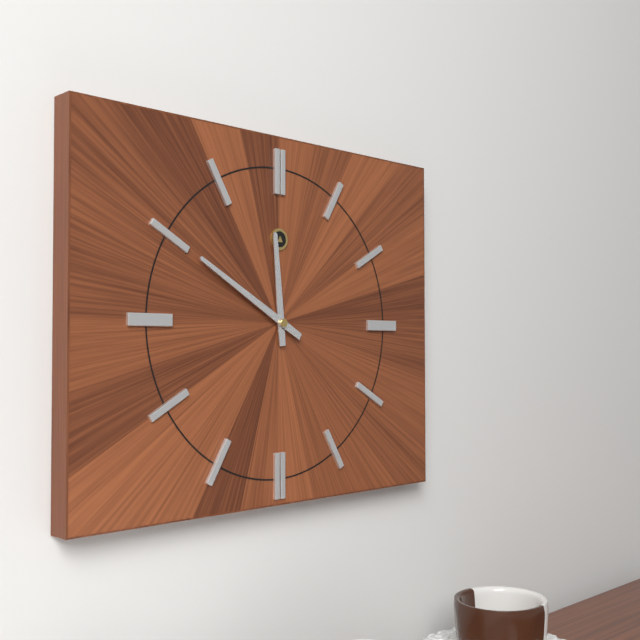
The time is **11:50**
